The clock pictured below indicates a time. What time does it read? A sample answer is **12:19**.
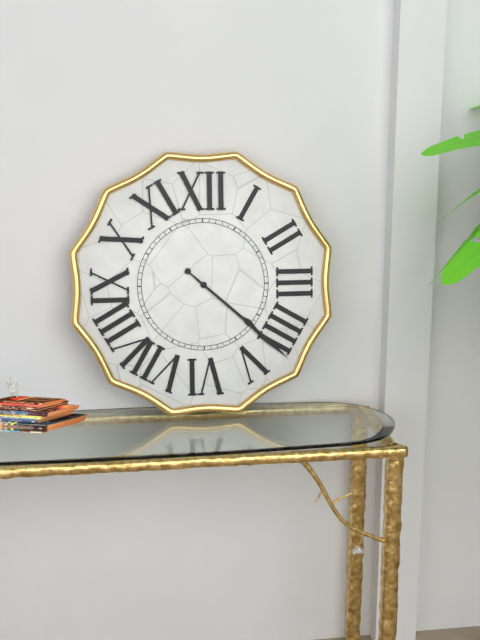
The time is **4:22**
